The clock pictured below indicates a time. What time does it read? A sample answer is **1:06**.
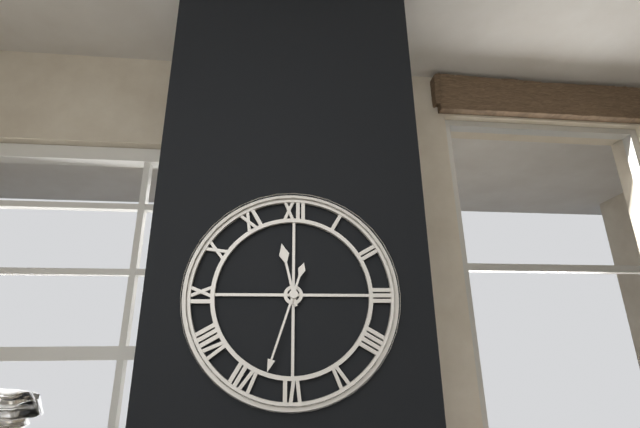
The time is **11:33**
